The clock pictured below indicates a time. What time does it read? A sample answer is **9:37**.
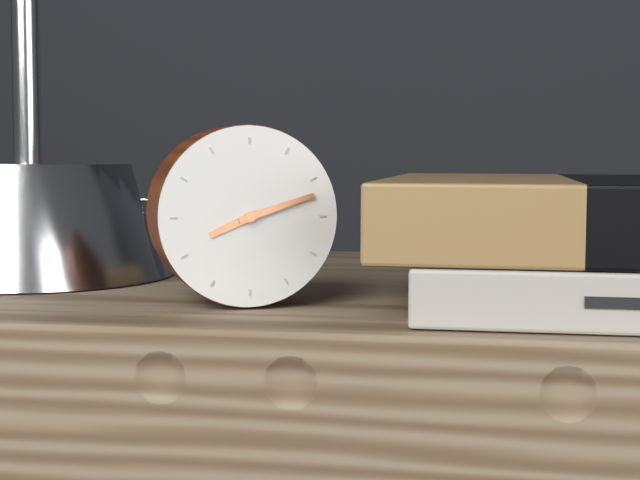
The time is **8:12**
